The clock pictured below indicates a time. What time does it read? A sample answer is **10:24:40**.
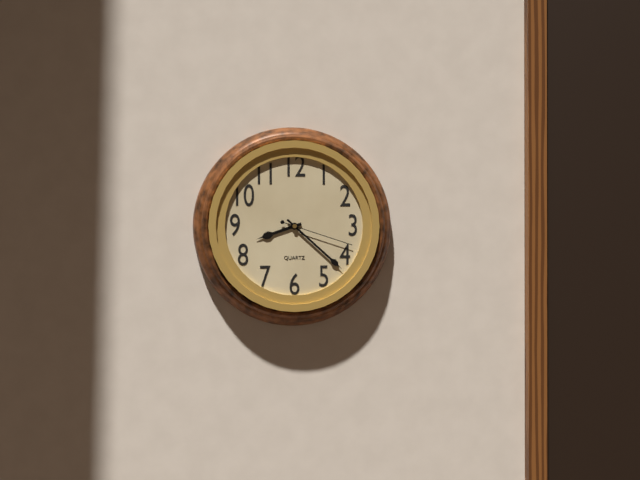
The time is **8:22:18**
